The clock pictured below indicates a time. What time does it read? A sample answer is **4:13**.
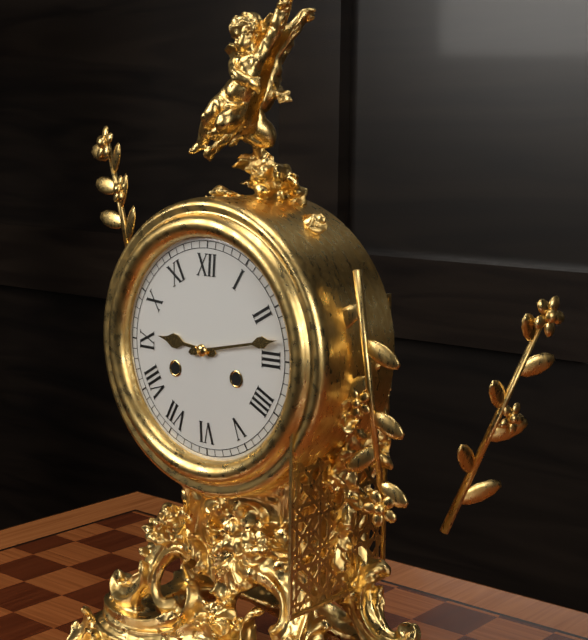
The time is **9:13**
